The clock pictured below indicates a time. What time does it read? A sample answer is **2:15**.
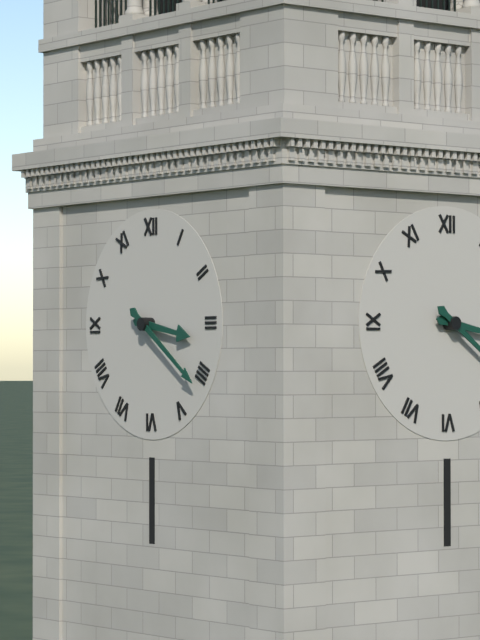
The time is **3:21**
